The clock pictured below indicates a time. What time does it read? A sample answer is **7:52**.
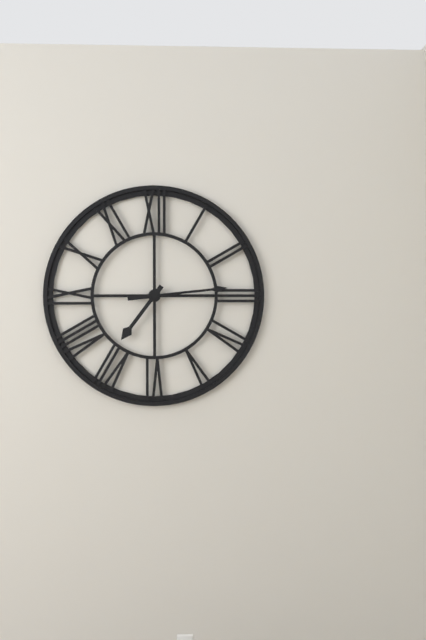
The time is **7:14**
